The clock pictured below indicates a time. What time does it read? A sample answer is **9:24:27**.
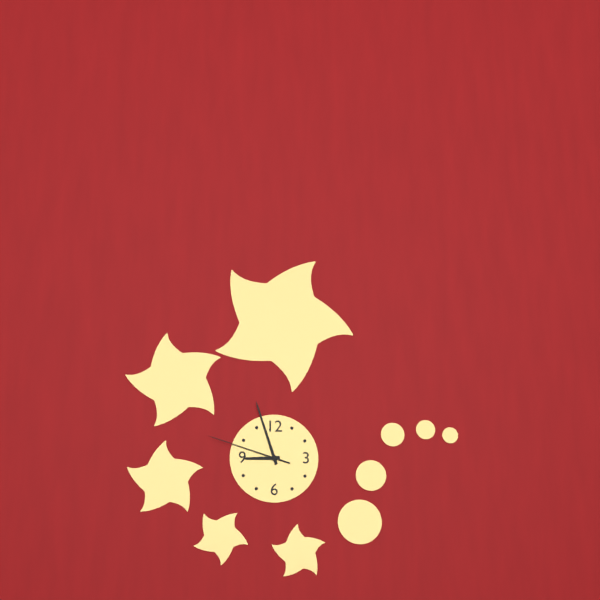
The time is **8:57:48**
